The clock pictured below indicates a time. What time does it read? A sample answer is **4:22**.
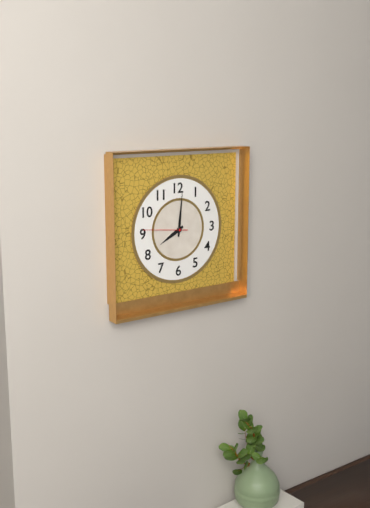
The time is **8:01**
